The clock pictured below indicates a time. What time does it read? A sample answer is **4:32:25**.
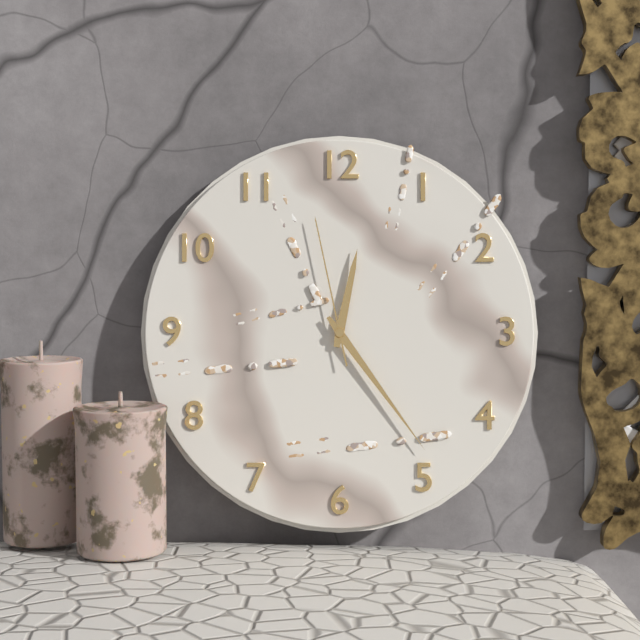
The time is **12:24:58**
